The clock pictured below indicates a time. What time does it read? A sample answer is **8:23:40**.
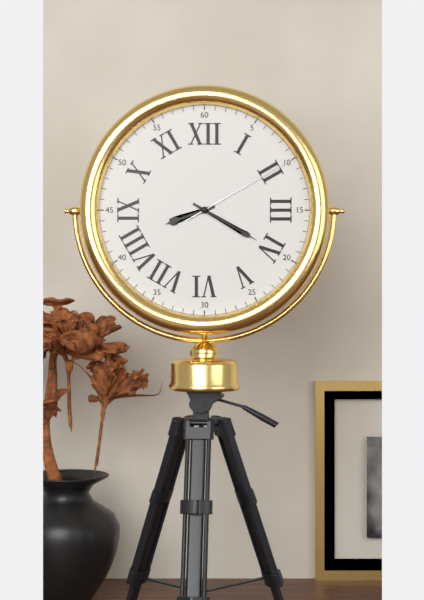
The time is **8:20:10**
